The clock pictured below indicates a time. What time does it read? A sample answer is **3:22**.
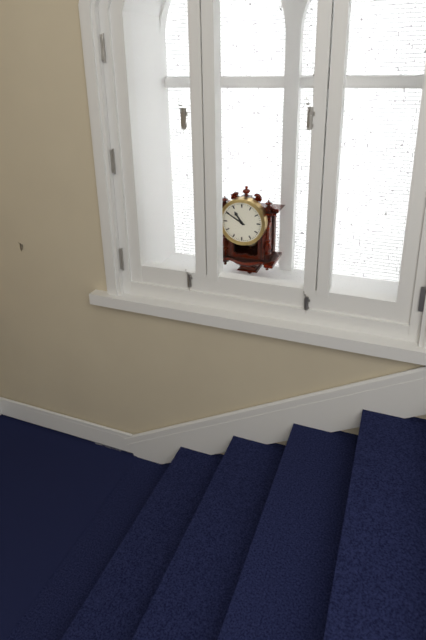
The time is **10:50**
